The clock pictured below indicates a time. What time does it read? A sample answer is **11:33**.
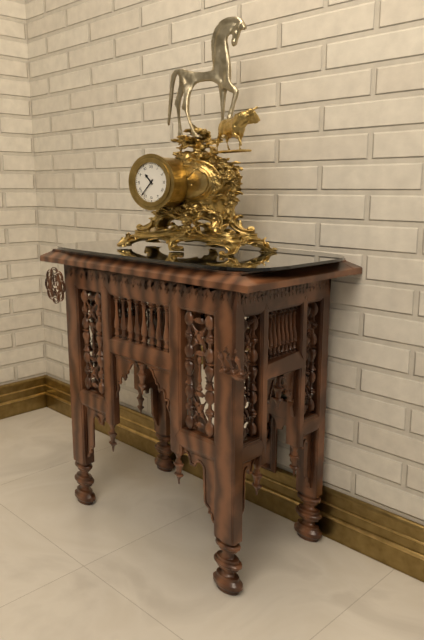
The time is **10:37**
